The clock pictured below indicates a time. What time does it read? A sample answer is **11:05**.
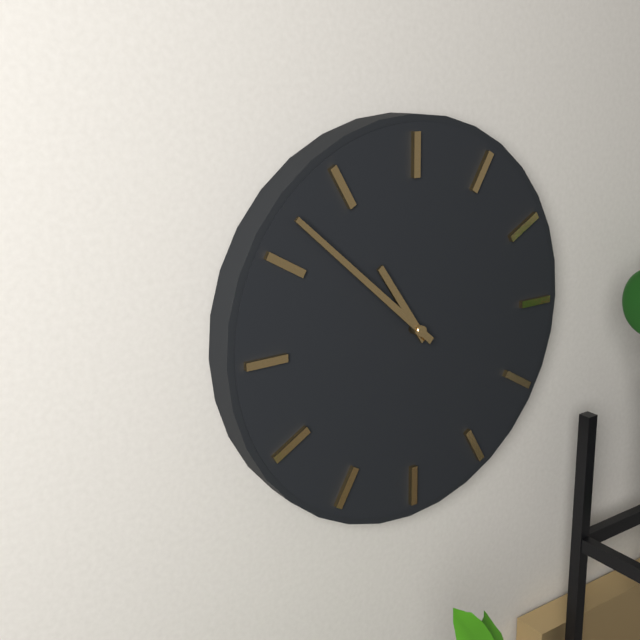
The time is **10:52**
